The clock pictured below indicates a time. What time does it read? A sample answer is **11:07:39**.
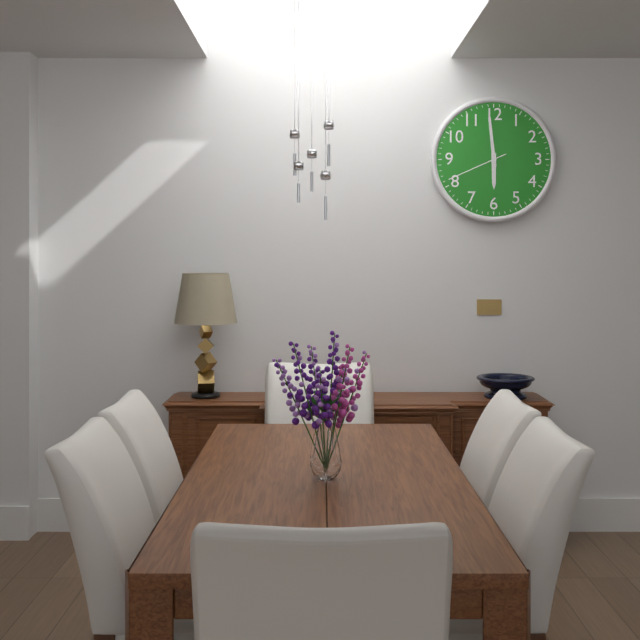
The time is **5:59:41**
